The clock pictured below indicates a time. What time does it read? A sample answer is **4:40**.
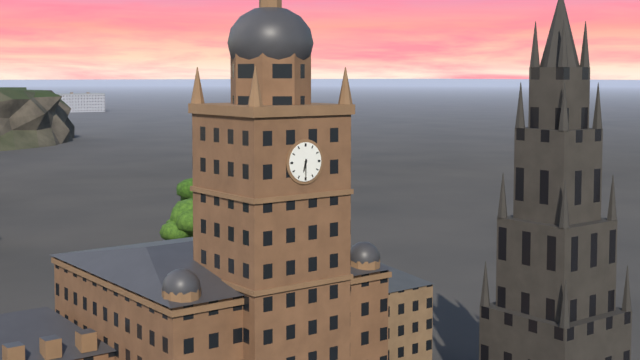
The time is **6:30**
